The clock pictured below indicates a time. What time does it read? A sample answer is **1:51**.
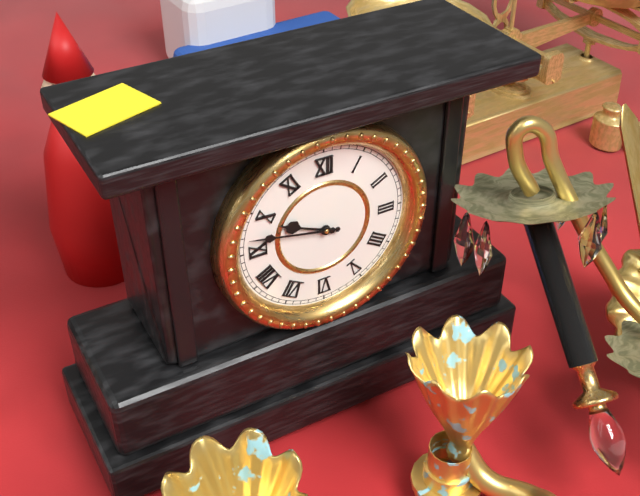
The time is **9:47**
